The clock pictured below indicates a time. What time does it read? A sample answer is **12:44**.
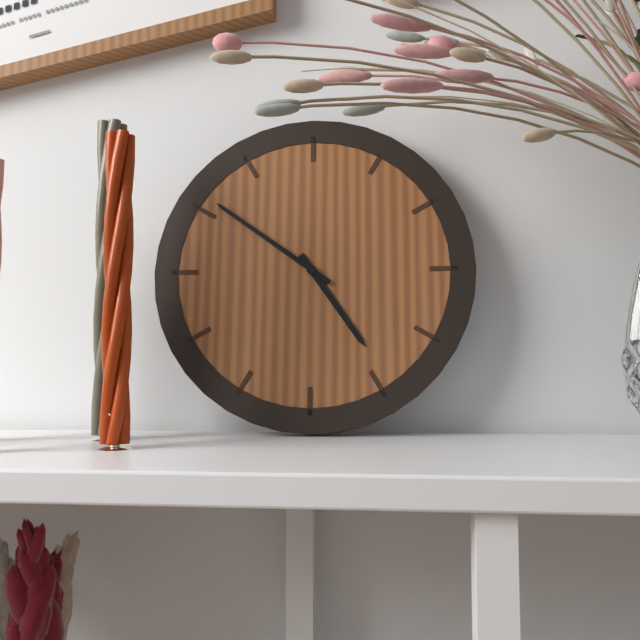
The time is **4:51**
